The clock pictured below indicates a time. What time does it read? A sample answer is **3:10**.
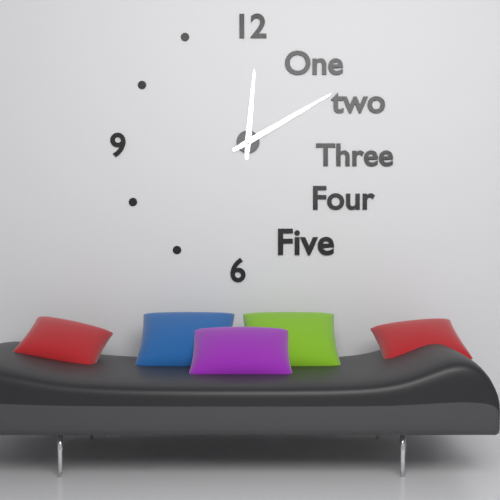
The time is **12:10**
